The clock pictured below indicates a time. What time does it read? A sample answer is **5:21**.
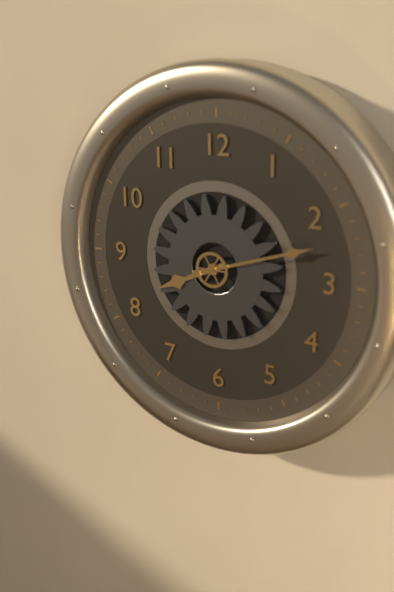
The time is **8:12**
